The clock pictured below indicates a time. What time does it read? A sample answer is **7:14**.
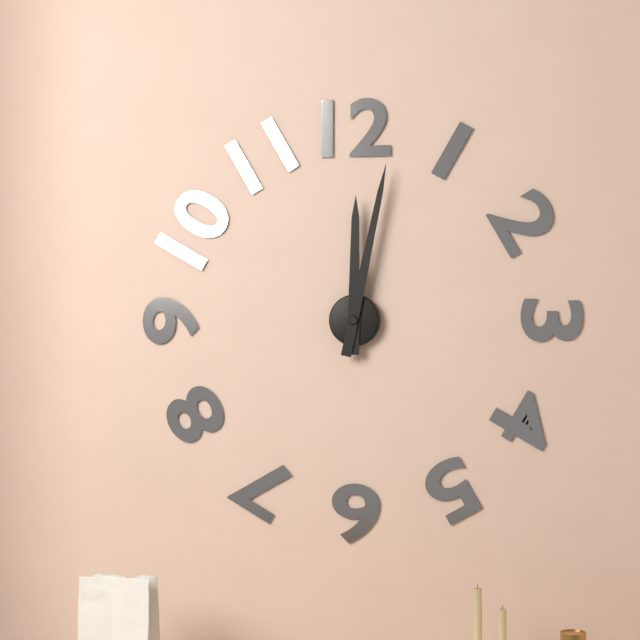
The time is **12:02**
